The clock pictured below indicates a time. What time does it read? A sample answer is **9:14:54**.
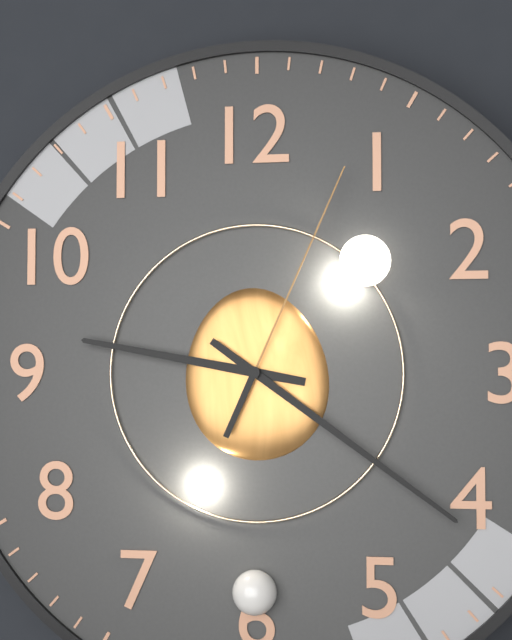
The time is **9:21:04**
